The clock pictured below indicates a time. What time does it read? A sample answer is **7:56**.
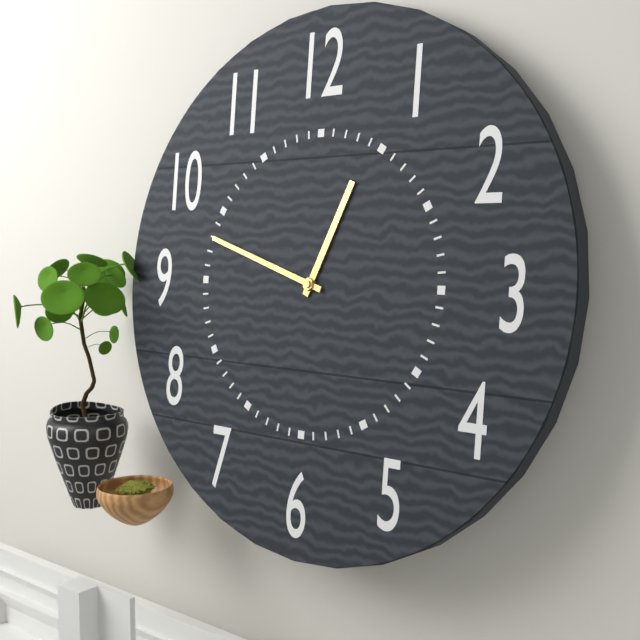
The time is **12:48**
